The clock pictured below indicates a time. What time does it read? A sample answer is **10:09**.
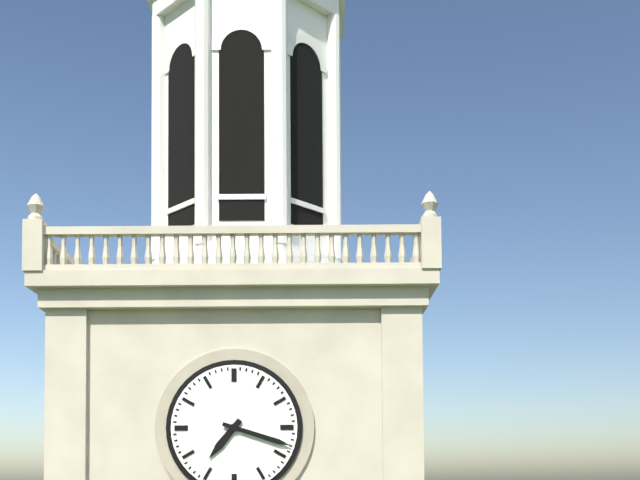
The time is **7:18**
